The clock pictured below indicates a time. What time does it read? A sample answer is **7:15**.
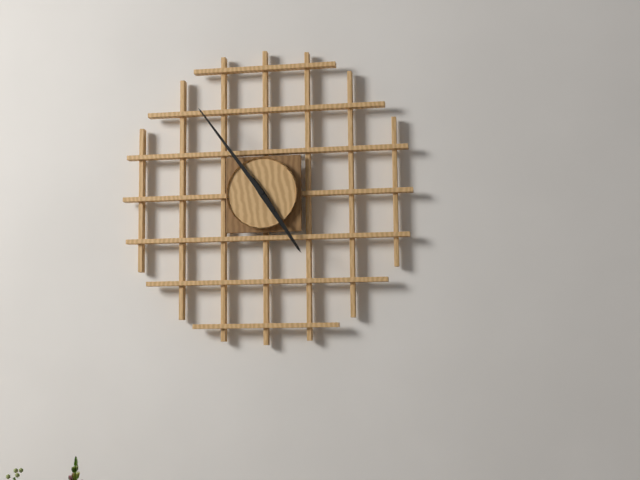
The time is **4:54**
